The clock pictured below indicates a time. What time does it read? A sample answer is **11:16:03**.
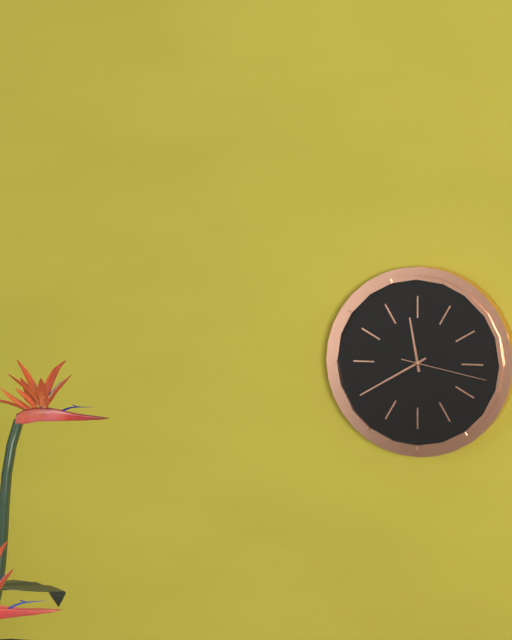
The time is **11:40:17**
